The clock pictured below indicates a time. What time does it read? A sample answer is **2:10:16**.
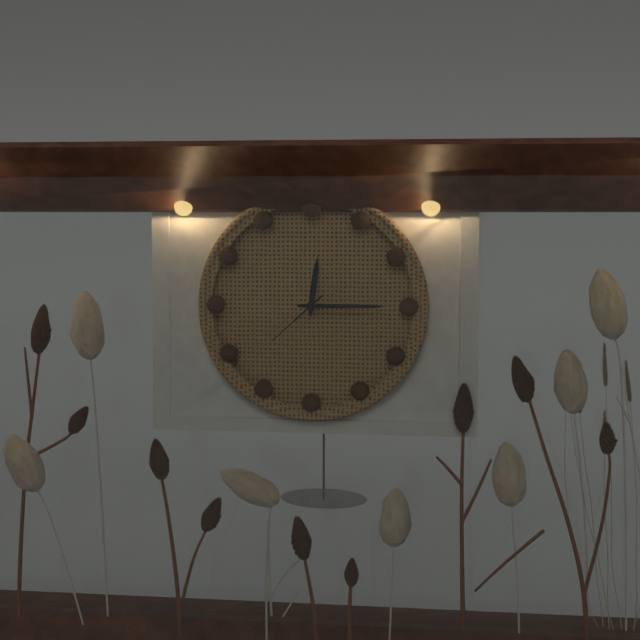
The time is **12:15:38**
